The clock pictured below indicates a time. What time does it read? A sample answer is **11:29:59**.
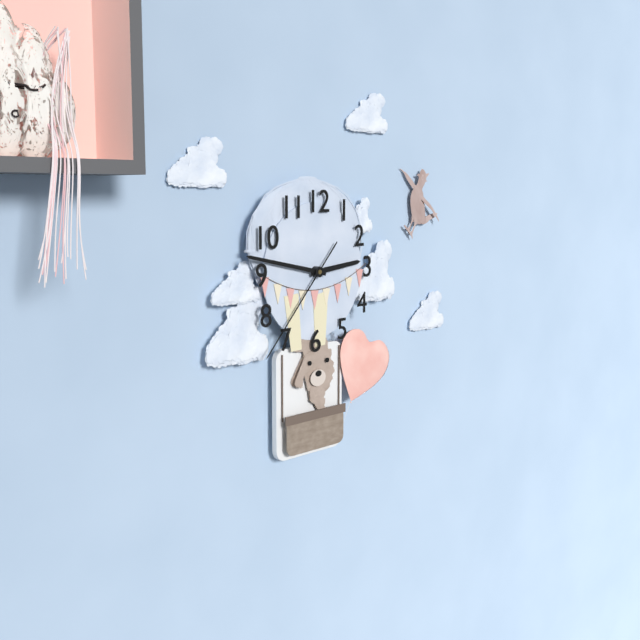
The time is **2:47:37**
